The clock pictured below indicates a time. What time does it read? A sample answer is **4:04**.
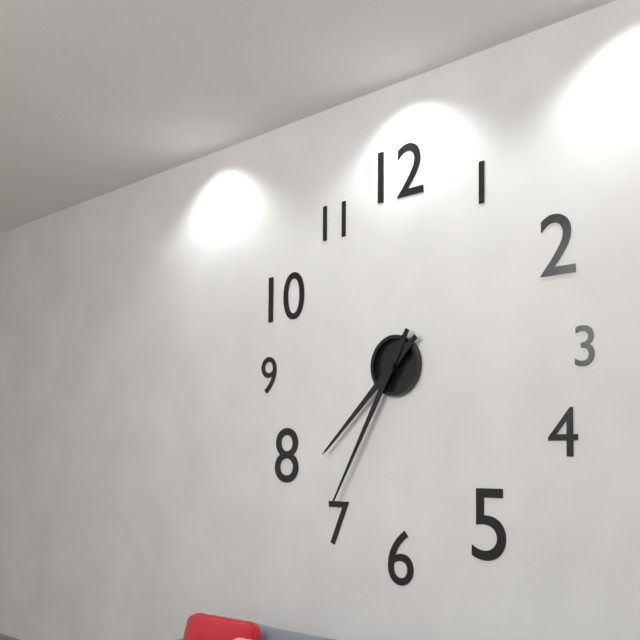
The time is **7:35**
